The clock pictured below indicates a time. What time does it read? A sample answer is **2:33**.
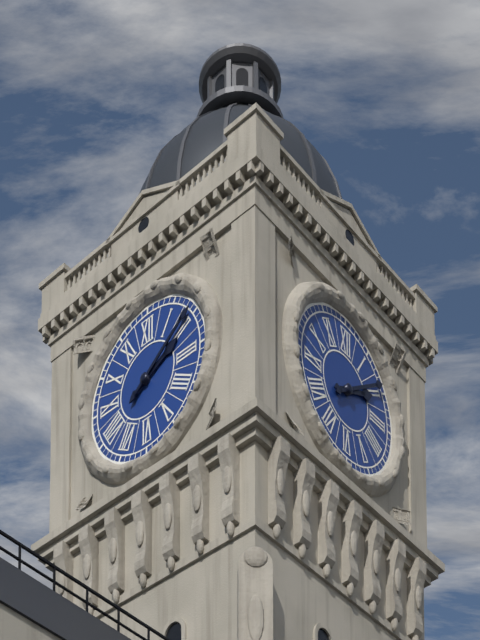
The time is **2:09**
